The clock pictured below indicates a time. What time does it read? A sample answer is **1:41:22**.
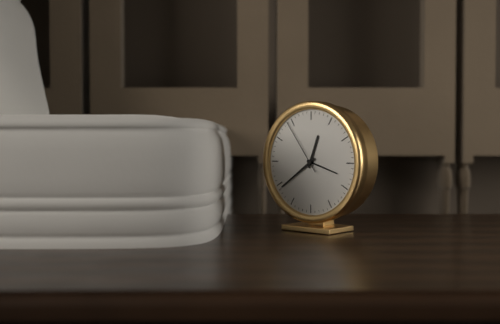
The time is **12:39:54**
